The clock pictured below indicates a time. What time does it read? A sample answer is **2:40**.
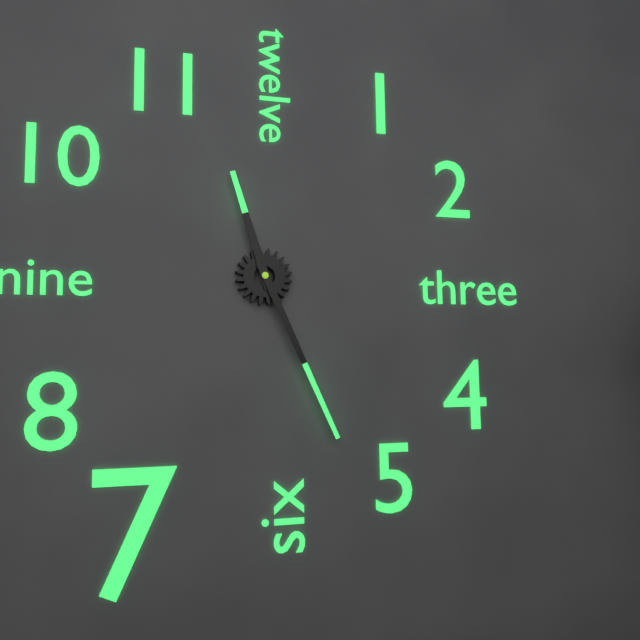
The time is **11:26**
